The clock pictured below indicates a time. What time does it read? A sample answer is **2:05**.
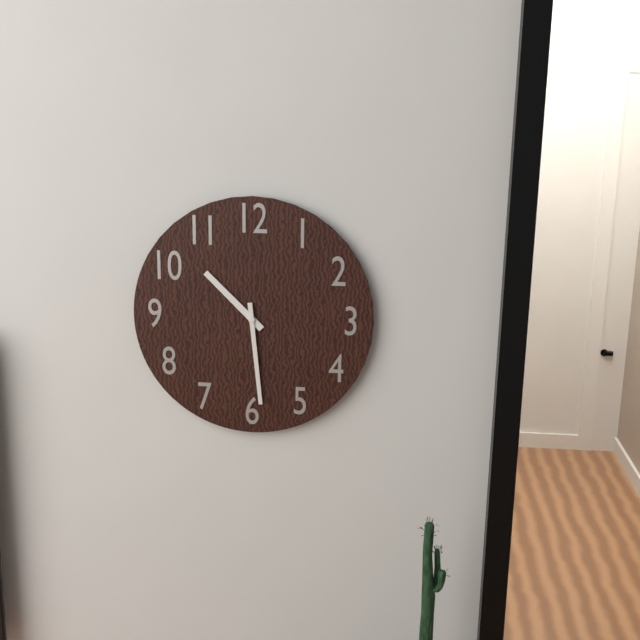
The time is **10:29**
